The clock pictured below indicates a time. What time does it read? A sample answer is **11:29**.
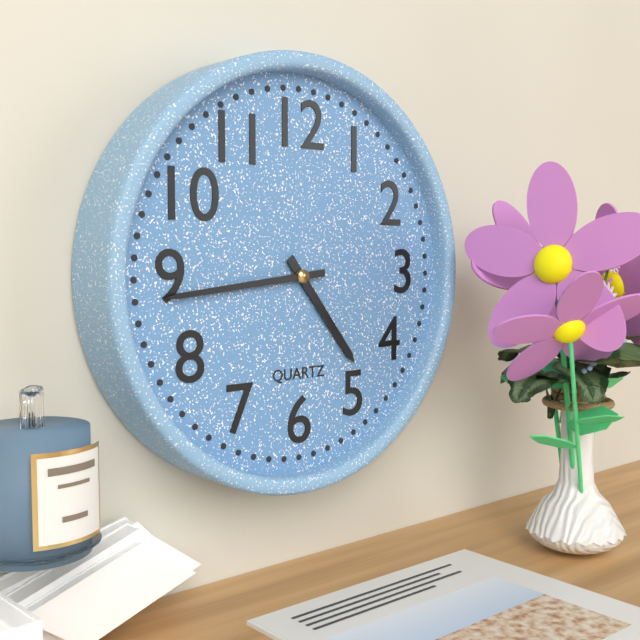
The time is **4:44**
